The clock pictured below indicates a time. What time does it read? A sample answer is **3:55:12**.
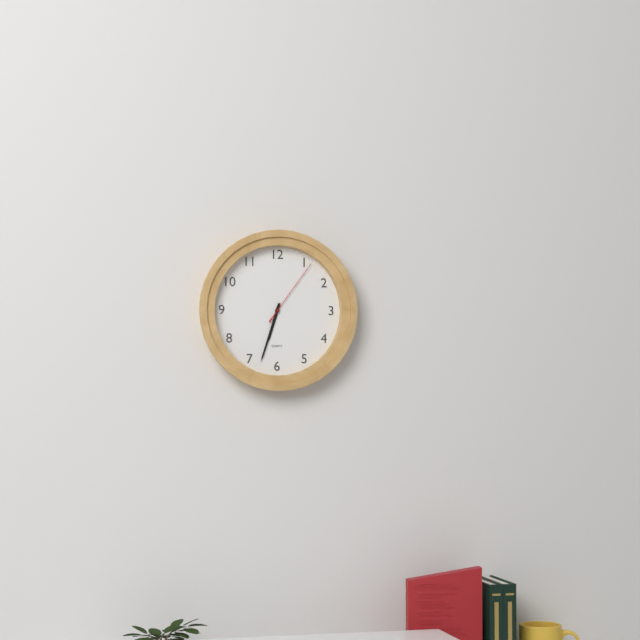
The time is **6:33:06**
